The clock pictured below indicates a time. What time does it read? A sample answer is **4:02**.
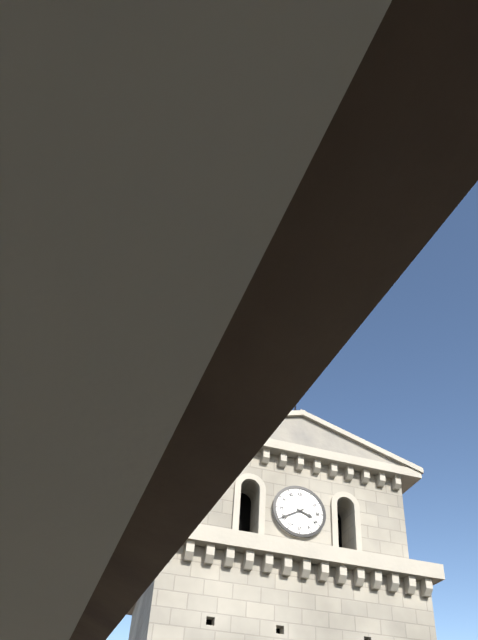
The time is **3:40**
